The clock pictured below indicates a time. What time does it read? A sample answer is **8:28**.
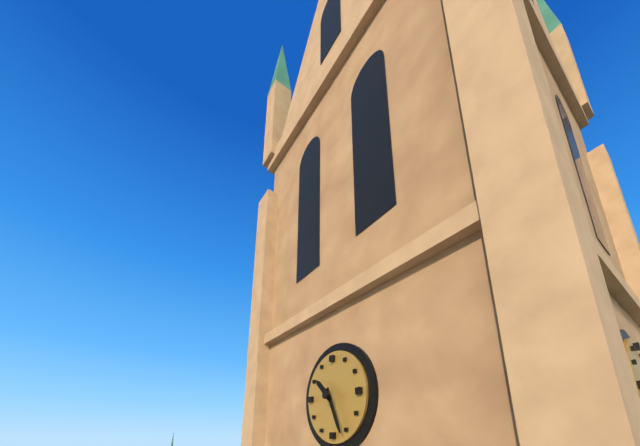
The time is **10:26**
